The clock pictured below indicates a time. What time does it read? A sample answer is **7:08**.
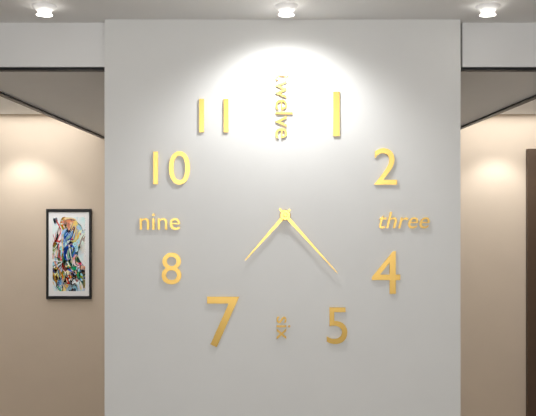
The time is **7:23**
